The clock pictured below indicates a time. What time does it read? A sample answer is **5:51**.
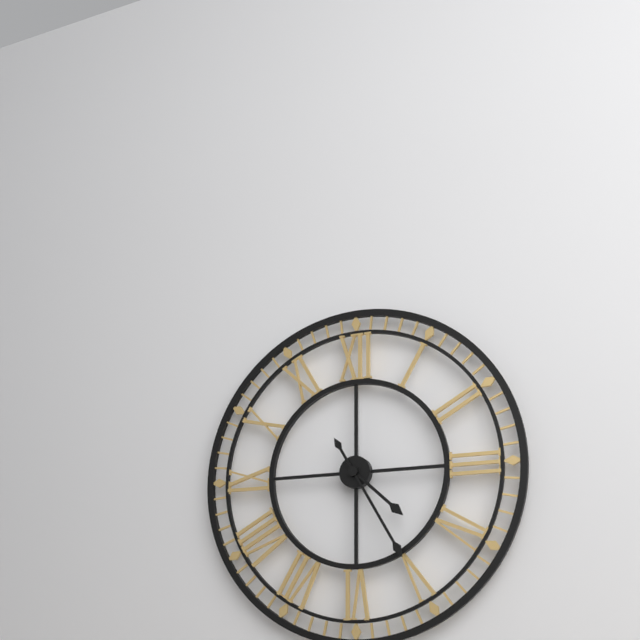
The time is **4:25**
